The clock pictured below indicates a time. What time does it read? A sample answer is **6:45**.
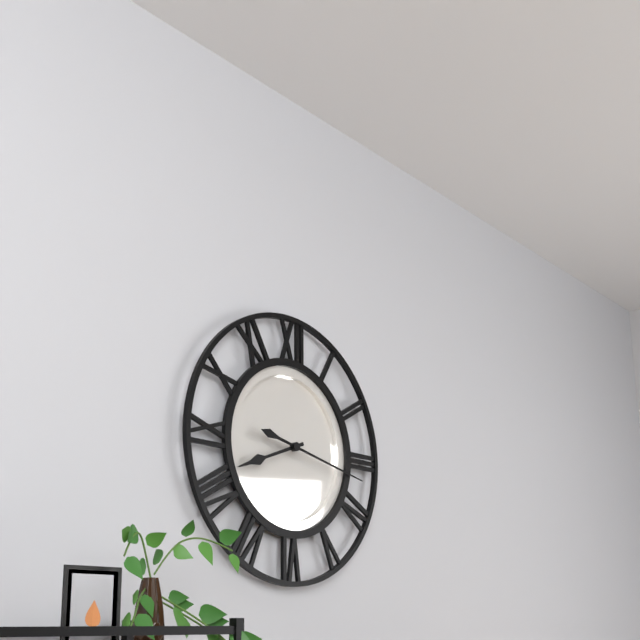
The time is **8:17**
